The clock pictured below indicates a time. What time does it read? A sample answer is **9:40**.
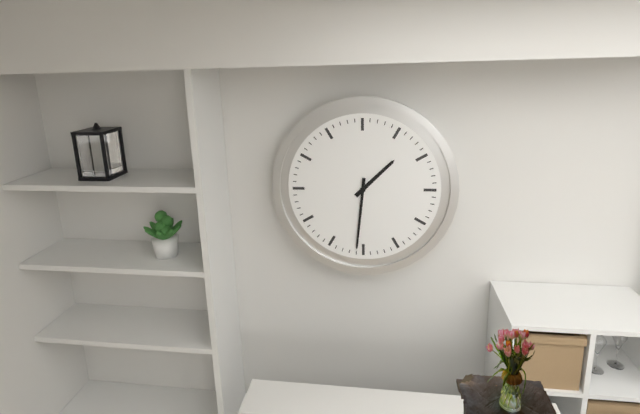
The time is **1:31**
